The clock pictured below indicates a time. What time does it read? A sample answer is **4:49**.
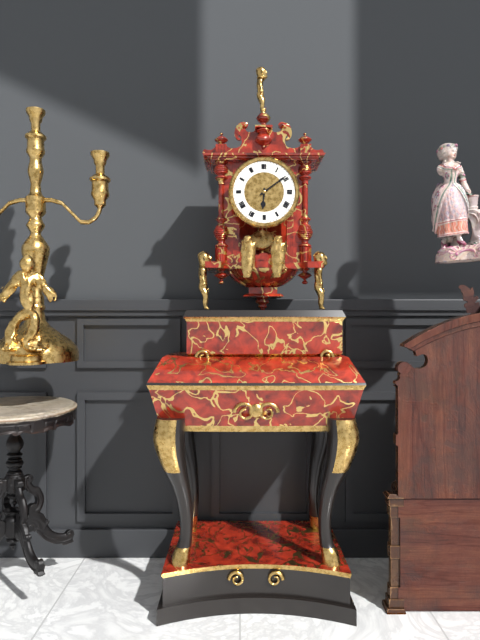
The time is **6:09**
